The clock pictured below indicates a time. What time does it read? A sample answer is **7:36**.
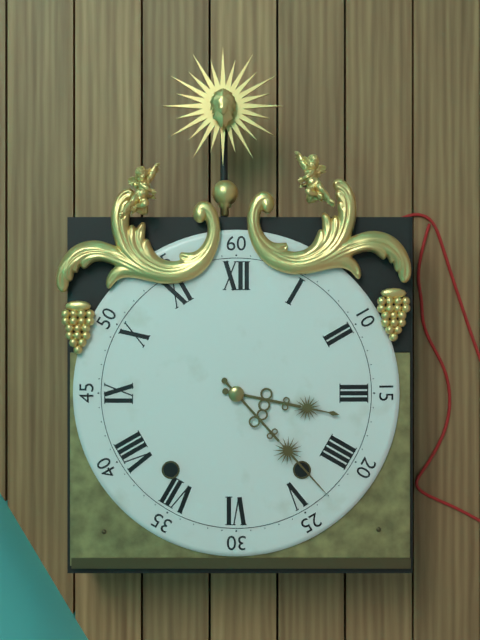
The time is **3:23**
